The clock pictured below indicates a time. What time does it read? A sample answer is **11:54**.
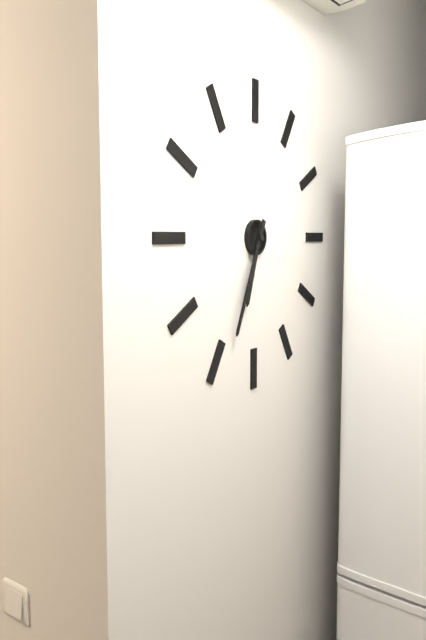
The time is **6:34**
